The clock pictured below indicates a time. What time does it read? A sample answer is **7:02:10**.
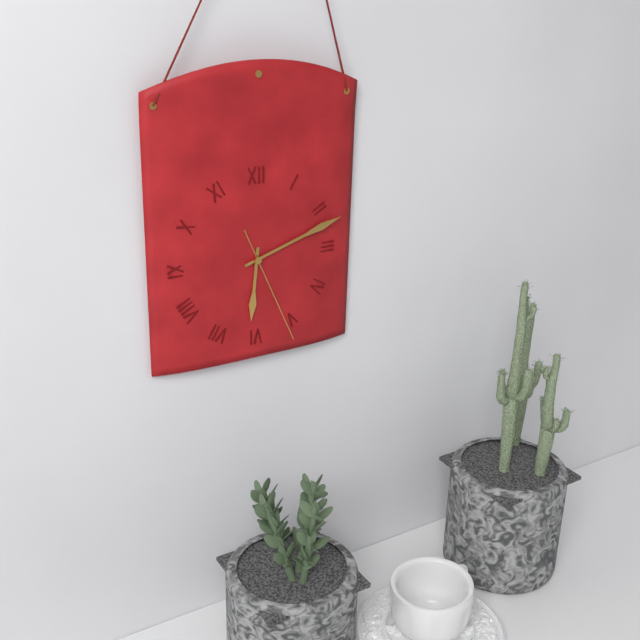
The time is **6:12:26**
